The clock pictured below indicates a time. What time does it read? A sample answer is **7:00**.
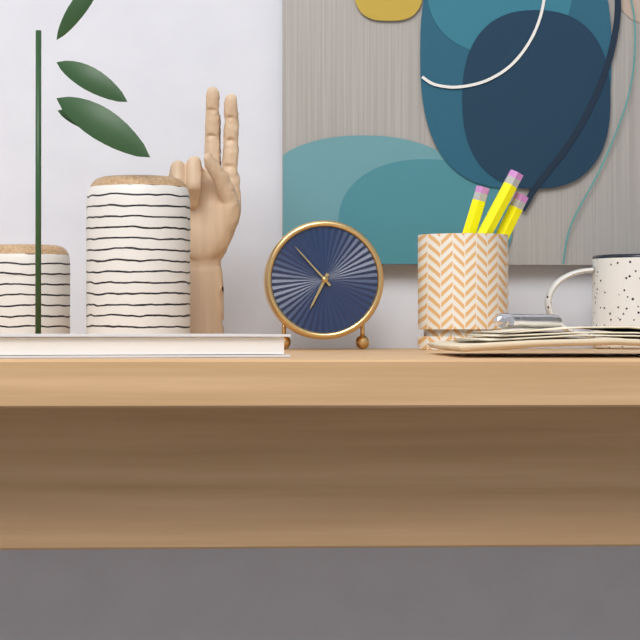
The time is **6:53**
